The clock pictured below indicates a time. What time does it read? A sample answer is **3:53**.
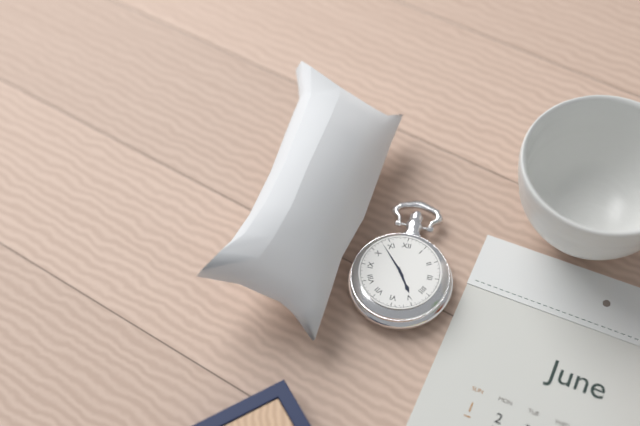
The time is **4:53**
